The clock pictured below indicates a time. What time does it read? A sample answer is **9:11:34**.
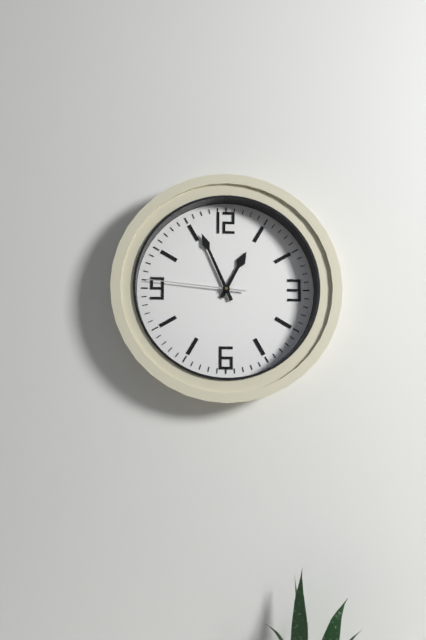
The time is **12:56:46**
